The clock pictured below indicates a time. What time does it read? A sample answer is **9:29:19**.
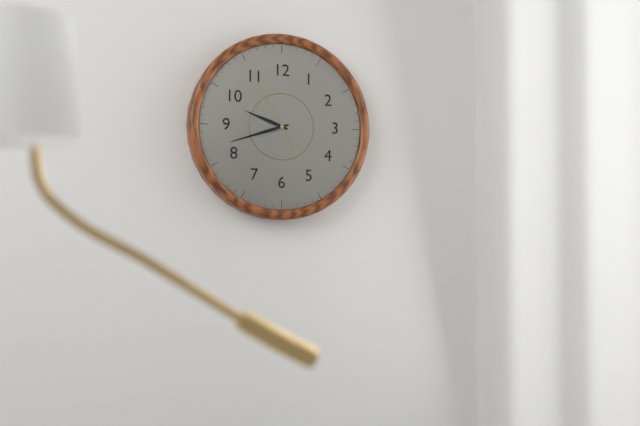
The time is **9:42:55**
